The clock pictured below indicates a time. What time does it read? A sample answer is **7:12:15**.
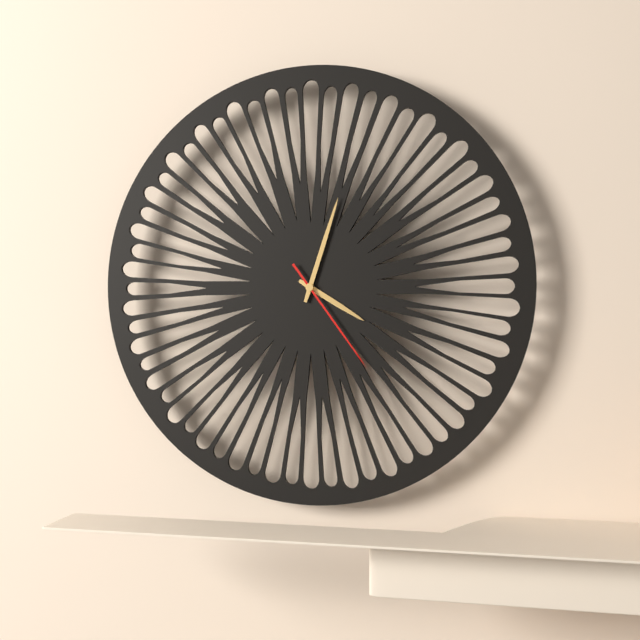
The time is **4:03:24**
